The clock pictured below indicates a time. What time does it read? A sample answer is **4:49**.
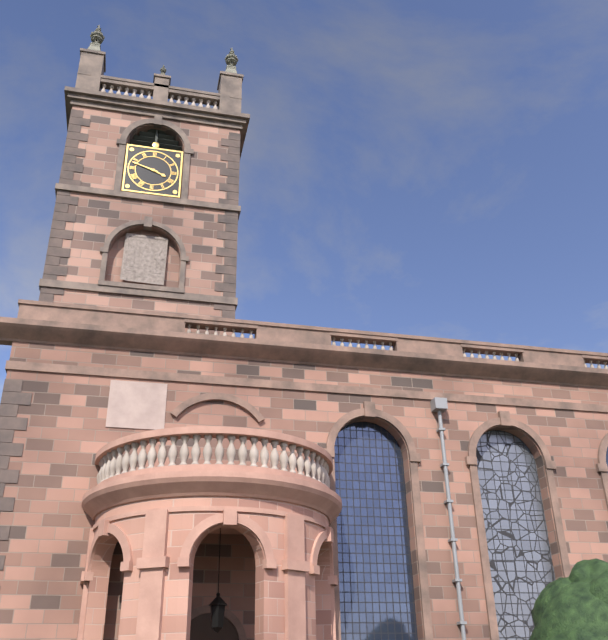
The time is **3:48**
